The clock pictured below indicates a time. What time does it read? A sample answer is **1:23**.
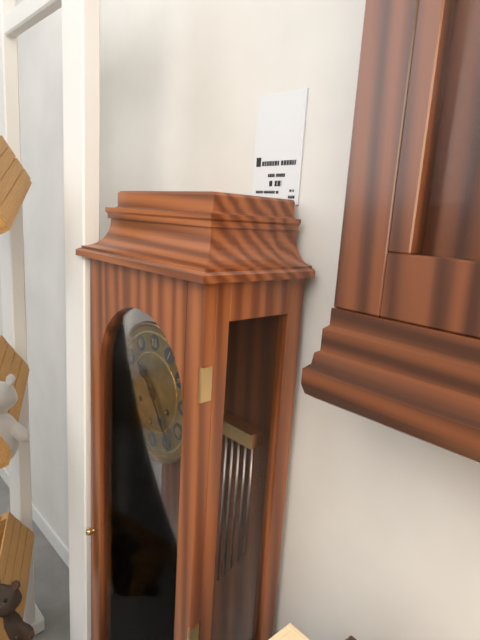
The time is **10:24**
